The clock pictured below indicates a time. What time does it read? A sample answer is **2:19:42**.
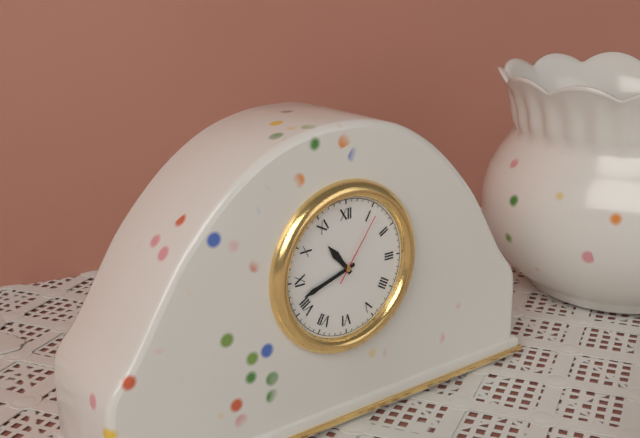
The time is **10:42:06**
